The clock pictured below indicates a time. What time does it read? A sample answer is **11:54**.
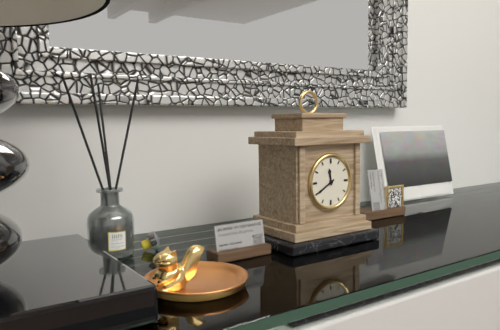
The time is **11:40**
